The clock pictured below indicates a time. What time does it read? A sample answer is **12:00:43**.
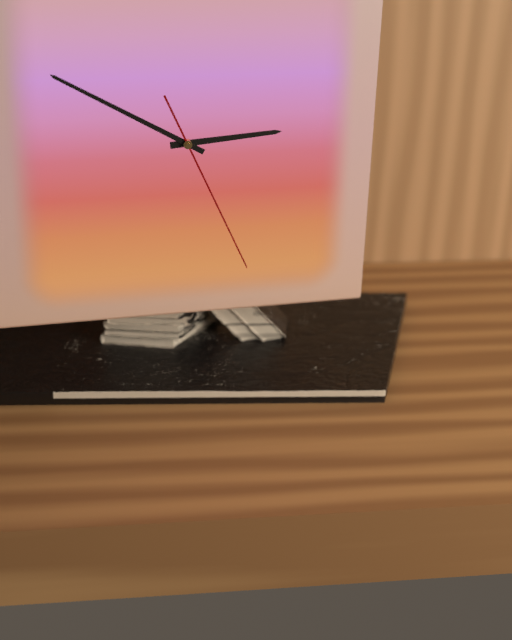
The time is **2:50:26**
